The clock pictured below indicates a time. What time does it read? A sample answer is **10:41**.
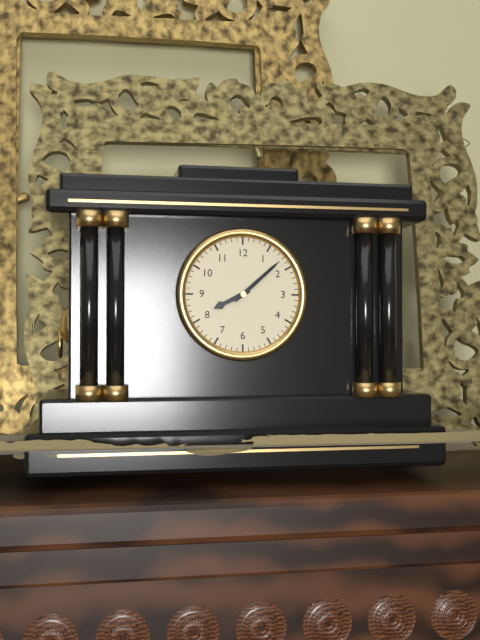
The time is **8:08**
